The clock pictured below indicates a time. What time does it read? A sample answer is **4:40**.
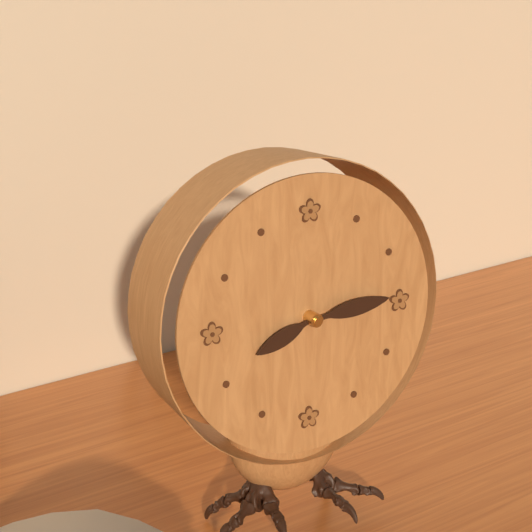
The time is **8:14**
